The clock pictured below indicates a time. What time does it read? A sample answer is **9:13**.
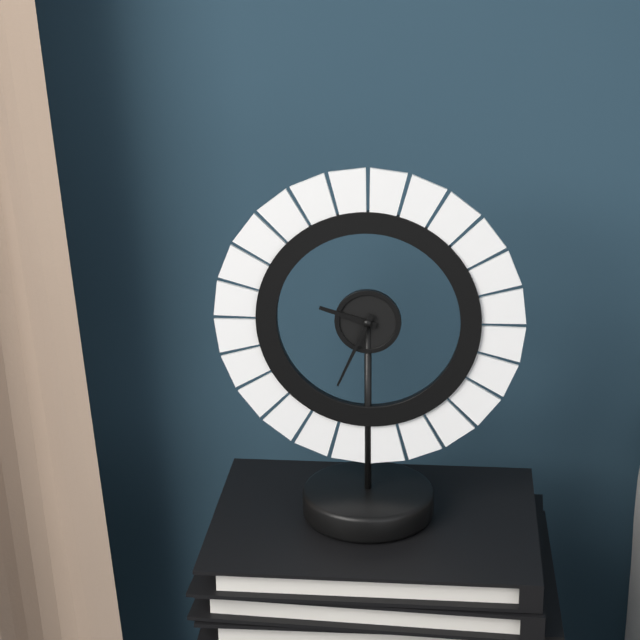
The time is **9:34**
